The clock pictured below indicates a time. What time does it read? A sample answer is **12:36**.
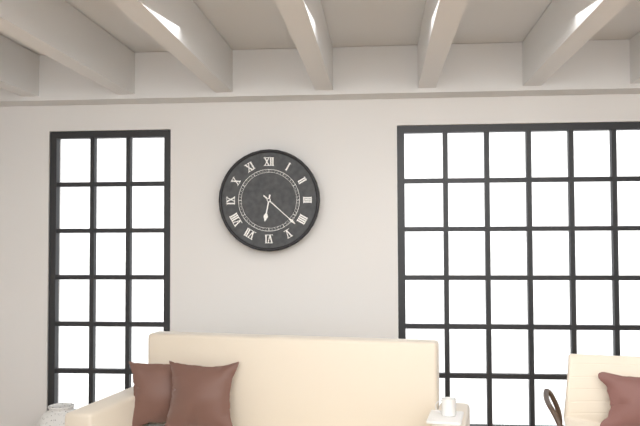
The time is **6:22**
